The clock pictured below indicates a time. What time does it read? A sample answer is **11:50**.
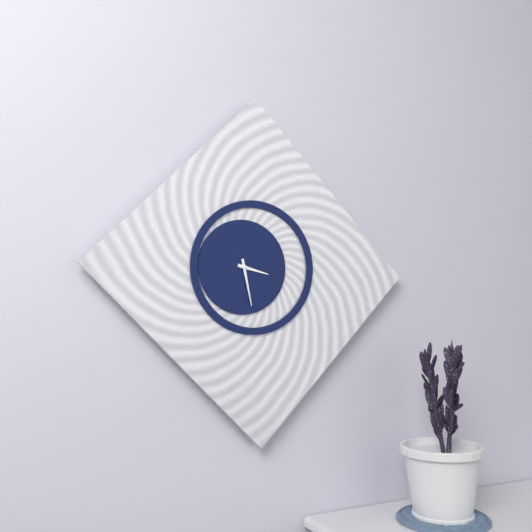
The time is **3:28**
